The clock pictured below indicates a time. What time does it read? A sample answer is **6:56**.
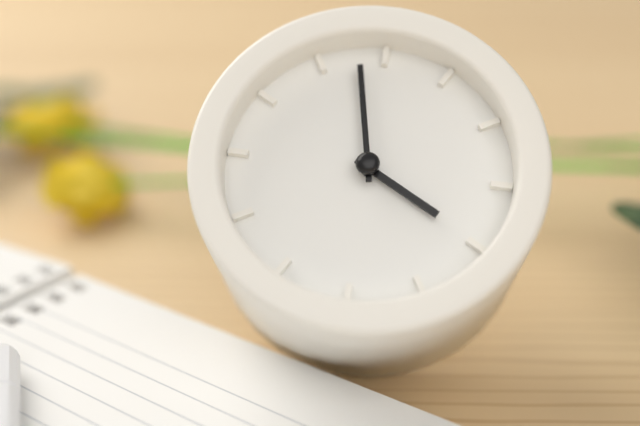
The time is **3:58**
